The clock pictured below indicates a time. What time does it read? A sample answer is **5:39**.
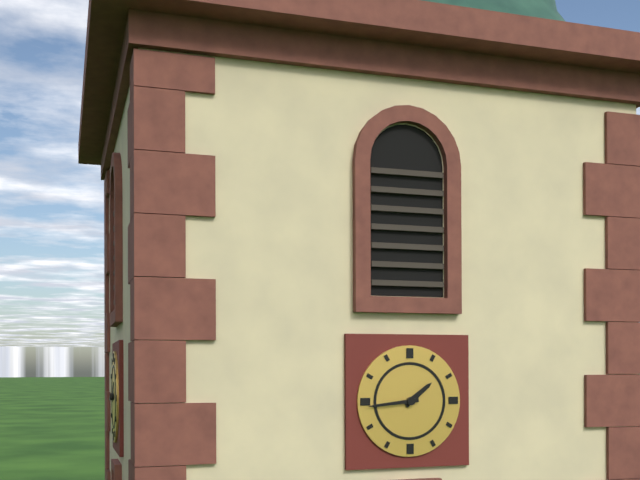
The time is **1:44**
